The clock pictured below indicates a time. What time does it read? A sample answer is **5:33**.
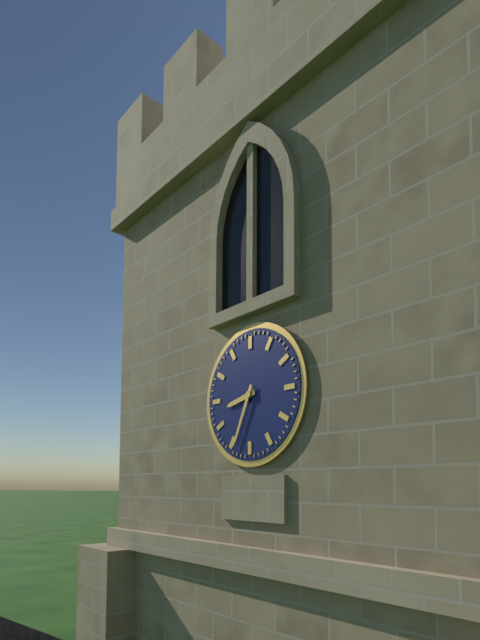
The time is **8:34**
